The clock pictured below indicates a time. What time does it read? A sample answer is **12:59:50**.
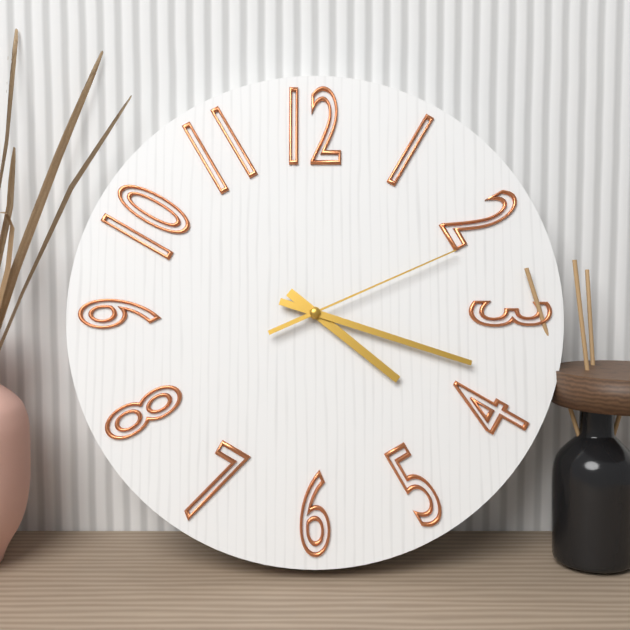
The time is **4:18:11**
